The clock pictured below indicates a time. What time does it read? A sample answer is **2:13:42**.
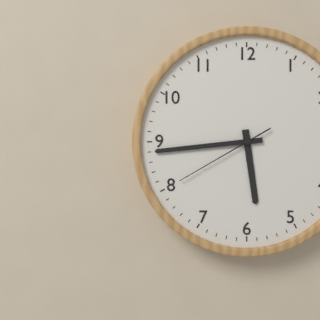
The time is **5:44:40**
